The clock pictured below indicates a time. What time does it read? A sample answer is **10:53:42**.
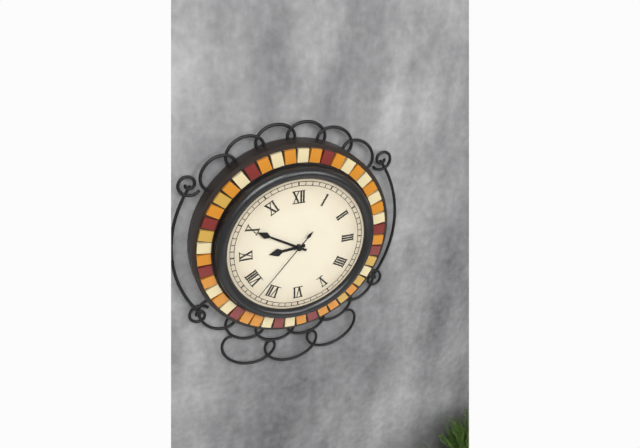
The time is **8:50:37**
